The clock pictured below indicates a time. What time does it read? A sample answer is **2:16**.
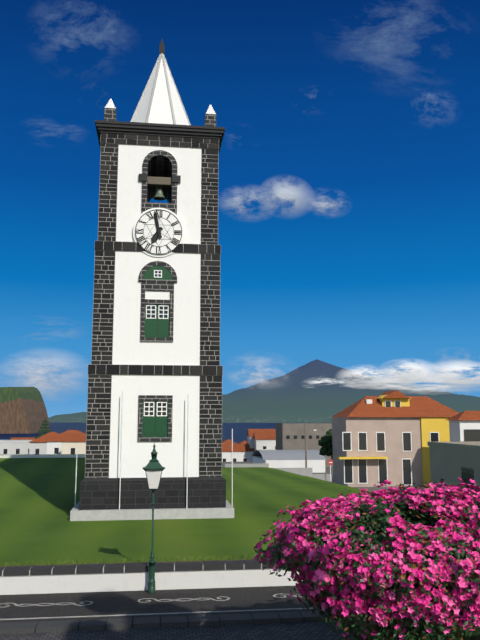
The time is **6:58**
